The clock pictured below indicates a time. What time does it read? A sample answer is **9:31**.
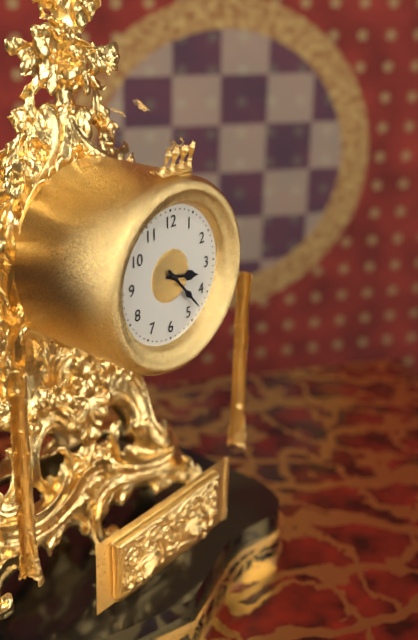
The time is **3:23**
